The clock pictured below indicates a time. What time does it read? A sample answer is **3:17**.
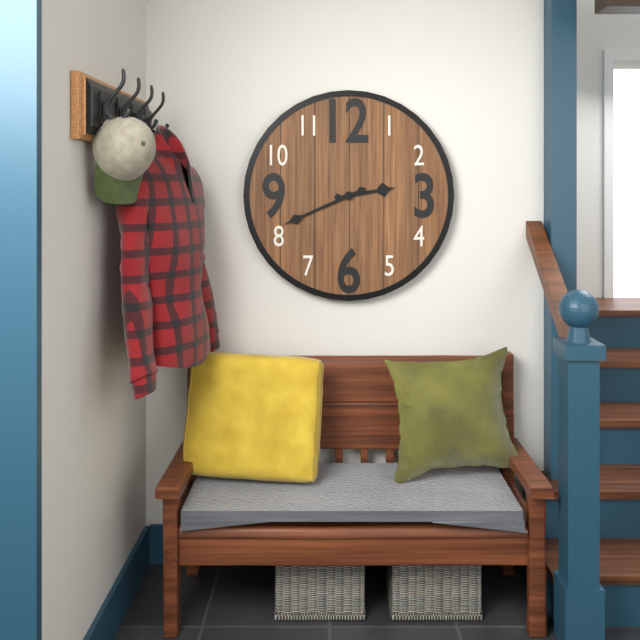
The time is **2:41**
